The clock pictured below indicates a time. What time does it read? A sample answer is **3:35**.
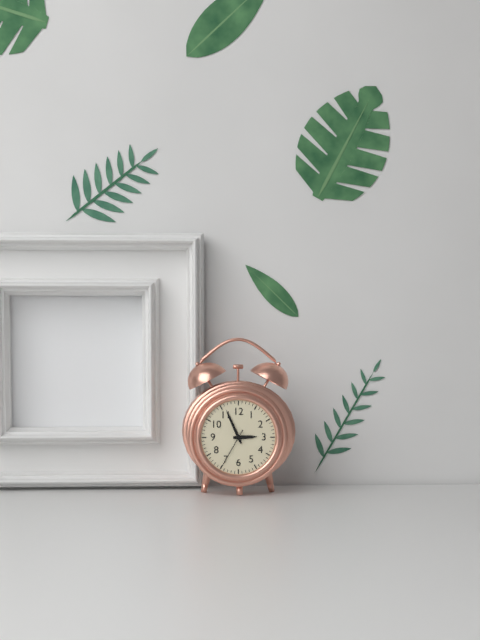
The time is **2:56**
